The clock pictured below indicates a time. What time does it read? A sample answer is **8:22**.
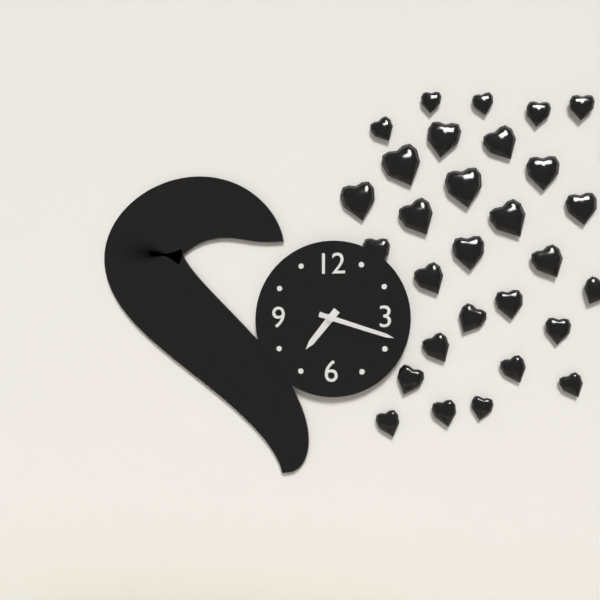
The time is **7:18**
